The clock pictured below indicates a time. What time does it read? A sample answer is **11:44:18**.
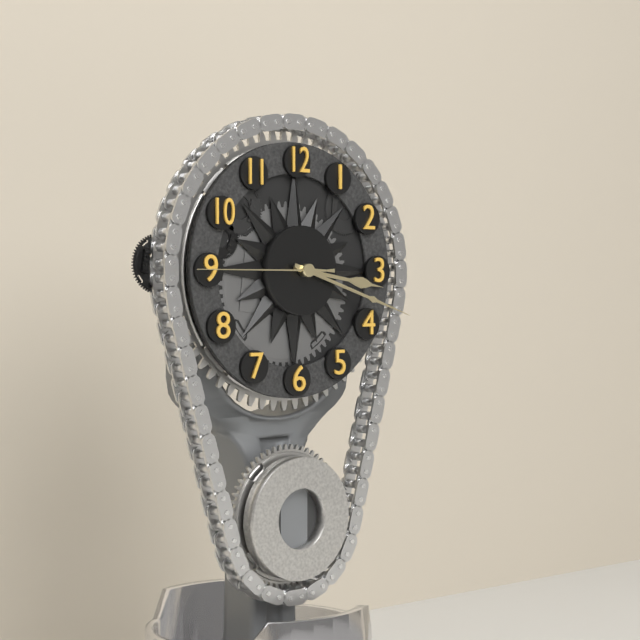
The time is **3:18:45**
